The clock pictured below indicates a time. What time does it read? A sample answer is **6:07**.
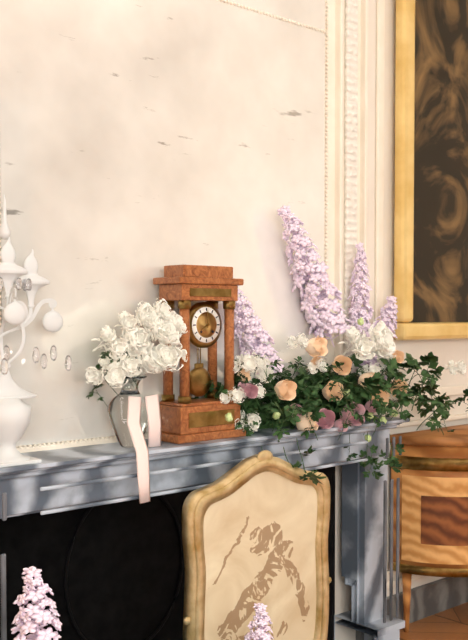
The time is **8:00**
